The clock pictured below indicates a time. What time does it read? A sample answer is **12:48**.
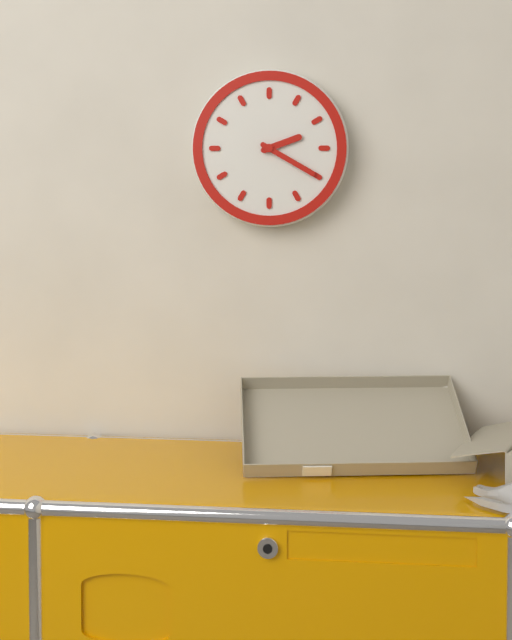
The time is **2:20**
